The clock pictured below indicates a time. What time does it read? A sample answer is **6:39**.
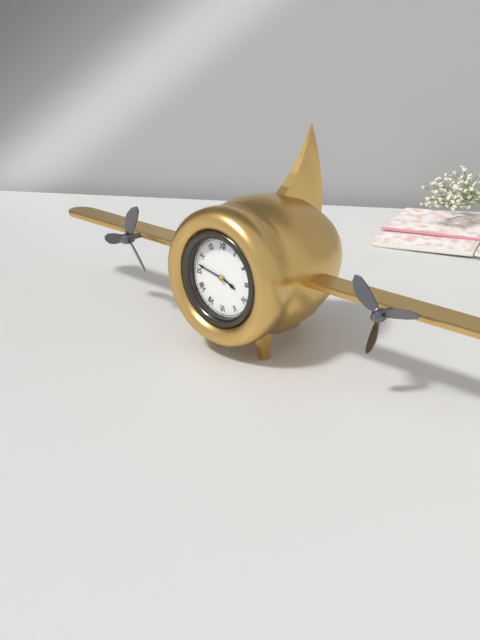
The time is **3:47**
